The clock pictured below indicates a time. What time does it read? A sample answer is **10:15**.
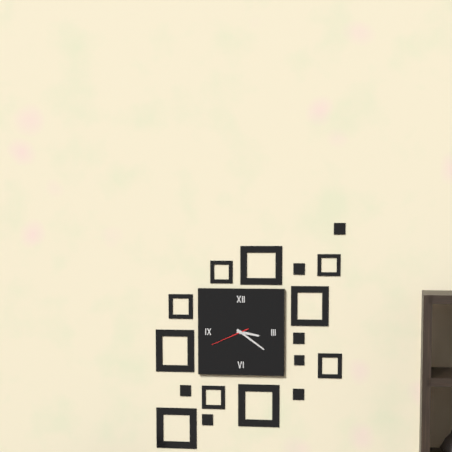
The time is **3:21**
